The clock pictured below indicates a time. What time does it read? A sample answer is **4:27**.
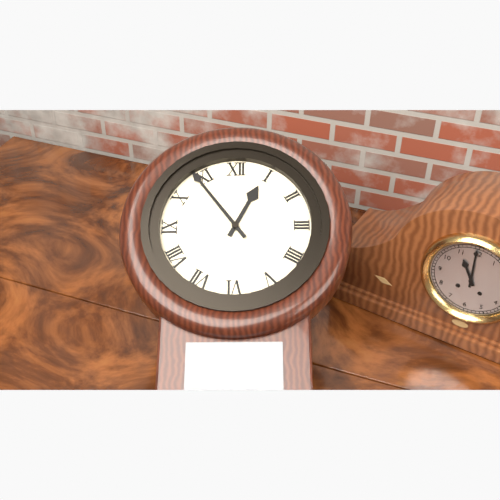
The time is **12:54**
